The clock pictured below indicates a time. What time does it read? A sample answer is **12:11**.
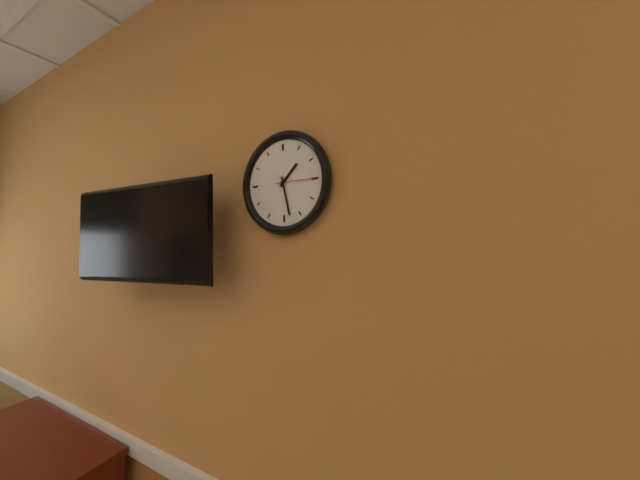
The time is **1:28**
